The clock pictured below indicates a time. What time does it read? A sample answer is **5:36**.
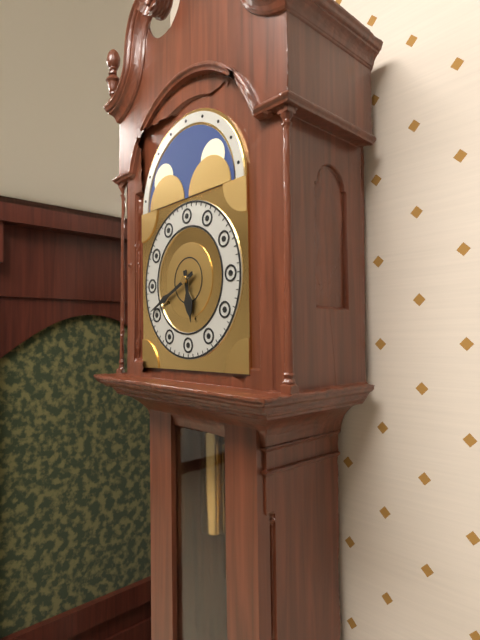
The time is **5:41**
